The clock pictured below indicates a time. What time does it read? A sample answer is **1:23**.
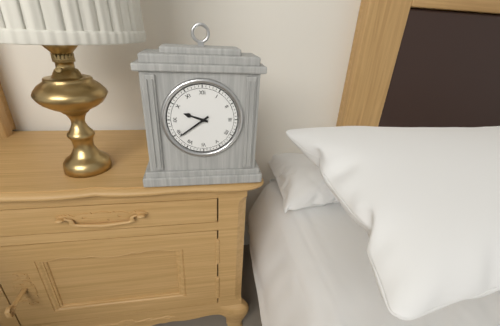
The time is **9:39**
